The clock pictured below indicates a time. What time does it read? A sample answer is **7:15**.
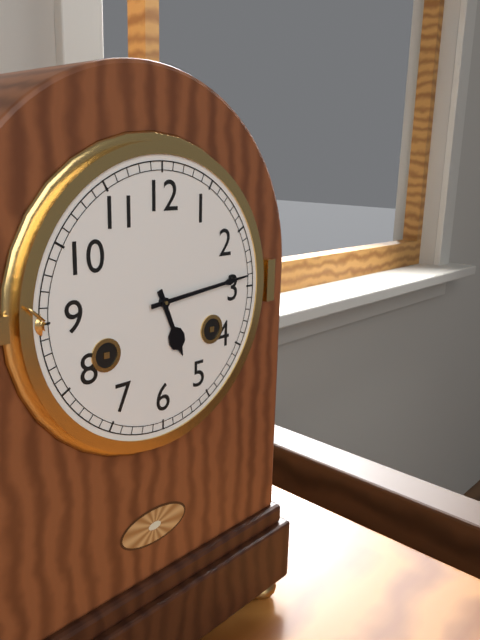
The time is **5:14**
